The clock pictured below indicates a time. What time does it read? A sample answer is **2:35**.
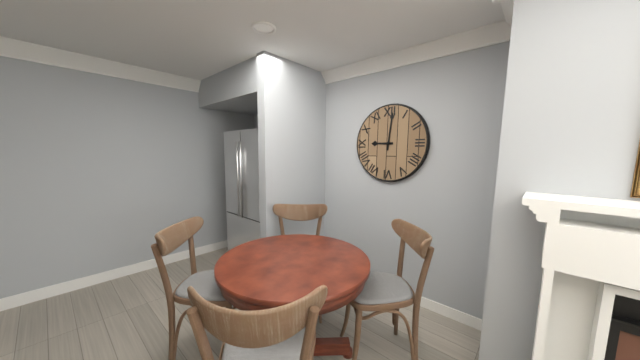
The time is **9:01**
